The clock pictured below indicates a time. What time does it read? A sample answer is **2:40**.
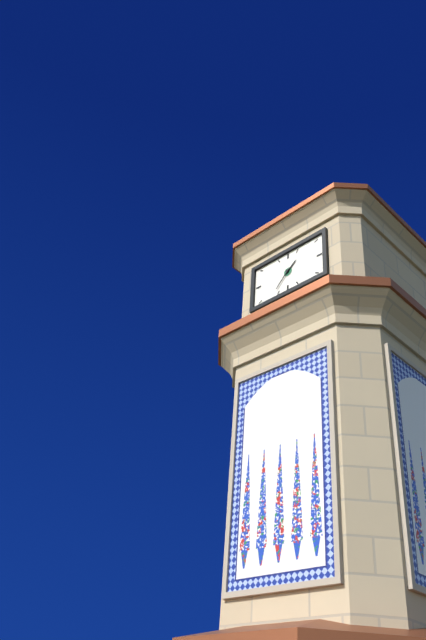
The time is **1:37**
